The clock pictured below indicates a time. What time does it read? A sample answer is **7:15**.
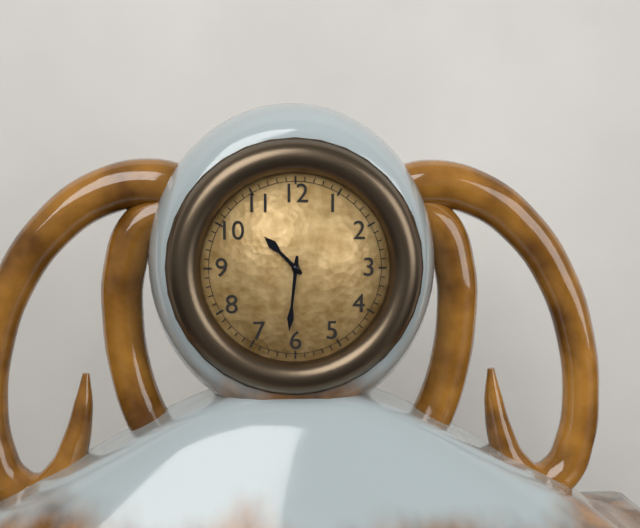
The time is **10:31**
